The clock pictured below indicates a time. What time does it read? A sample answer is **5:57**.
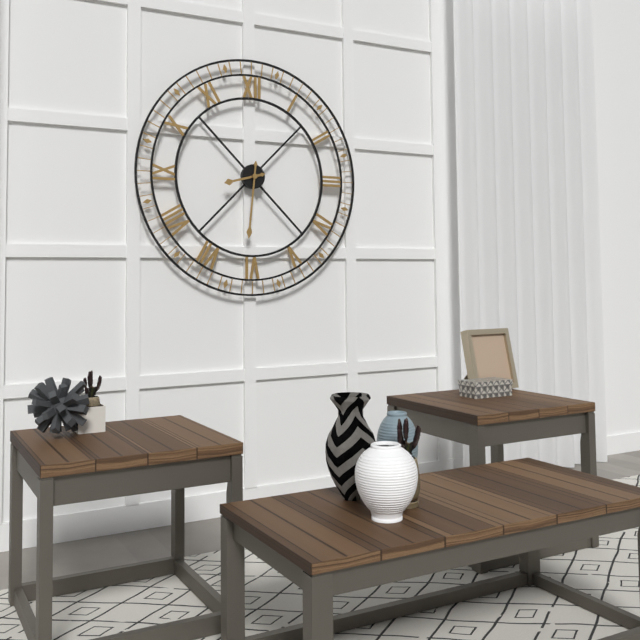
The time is **8:31**
